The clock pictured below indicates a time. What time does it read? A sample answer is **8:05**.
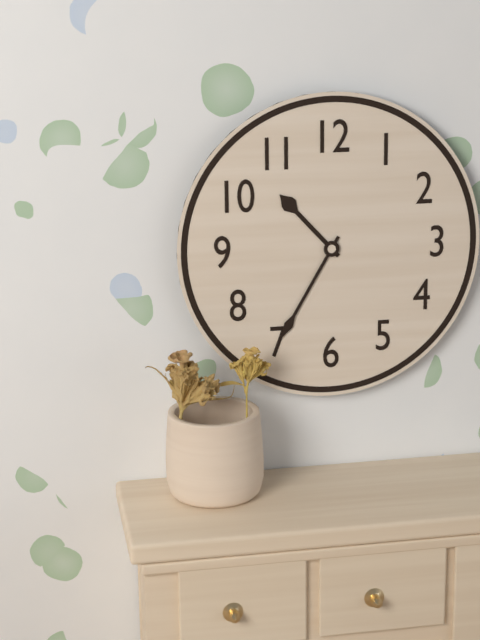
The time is **10:35**
